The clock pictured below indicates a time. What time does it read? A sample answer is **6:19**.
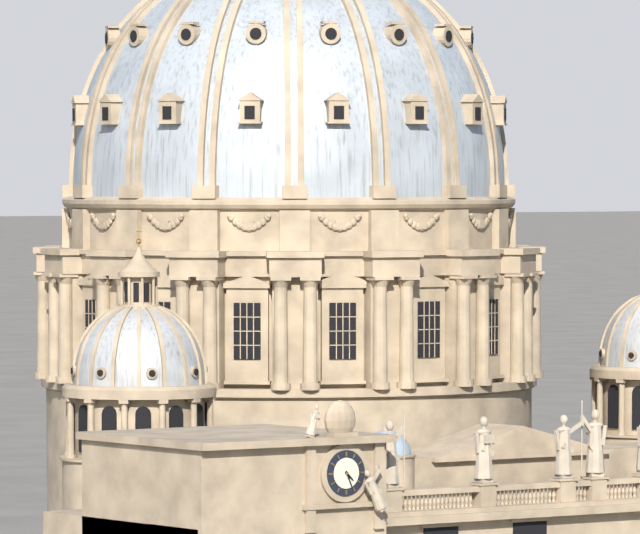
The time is **4:26**
